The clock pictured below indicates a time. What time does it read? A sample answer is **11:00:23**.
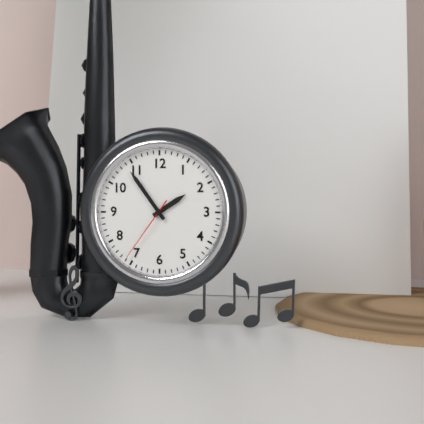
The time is **1:54:36**
